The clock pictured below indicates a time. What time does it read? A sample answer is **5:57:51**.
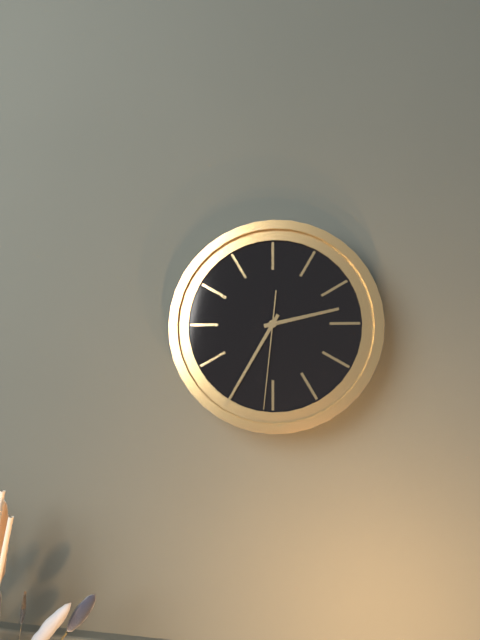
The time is **2:35:31**
